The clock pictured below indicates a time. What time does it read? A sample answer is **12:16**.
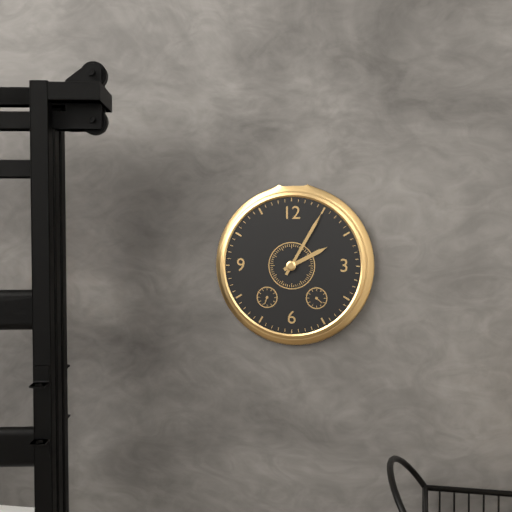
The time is **2:05**
